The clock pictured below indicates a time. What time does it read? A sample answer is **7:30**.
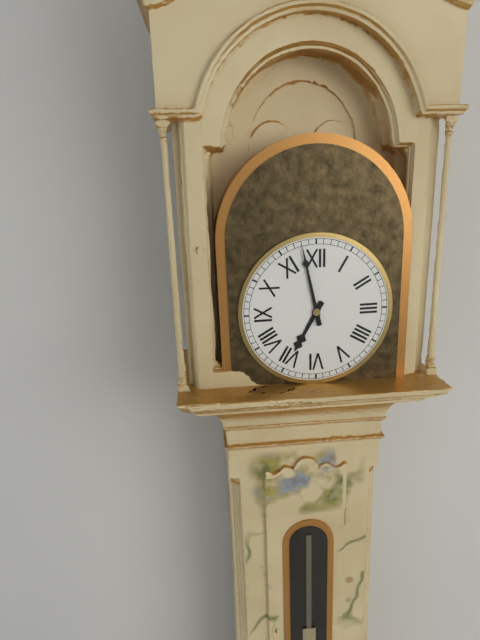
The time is **6:58**
